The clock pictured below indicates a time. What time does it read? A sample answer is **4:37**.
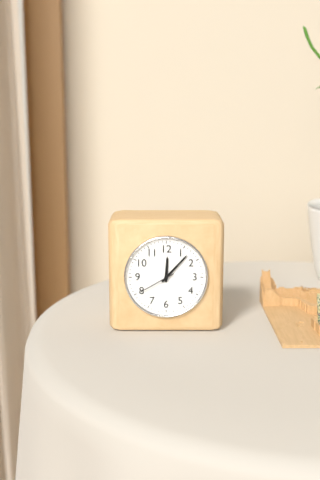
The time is **12:07**
